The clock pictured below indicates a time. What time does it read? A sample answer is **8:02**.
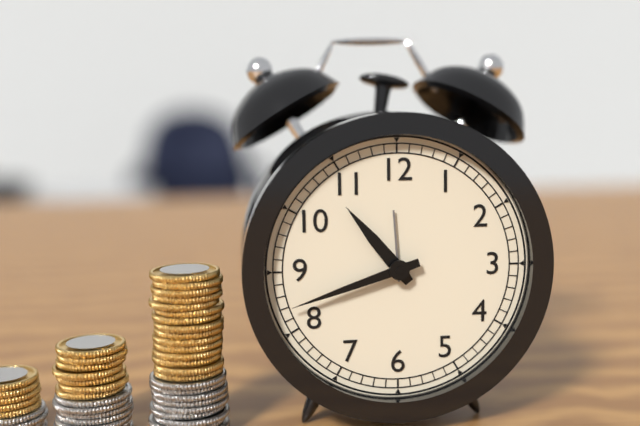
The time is **10:42**
